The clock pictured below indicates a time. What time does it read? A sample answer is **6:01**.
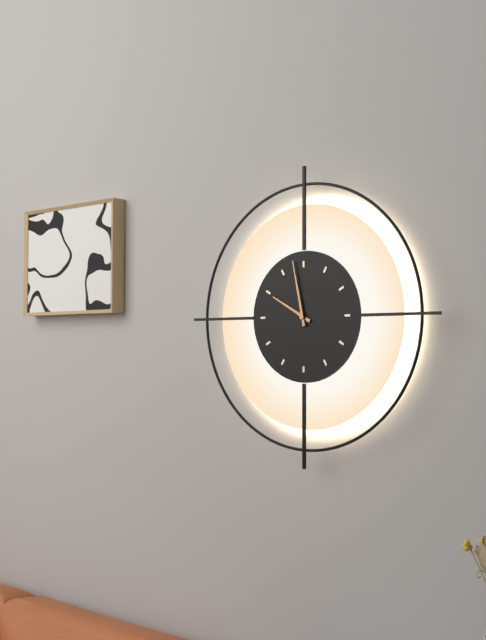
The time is **9:58**
